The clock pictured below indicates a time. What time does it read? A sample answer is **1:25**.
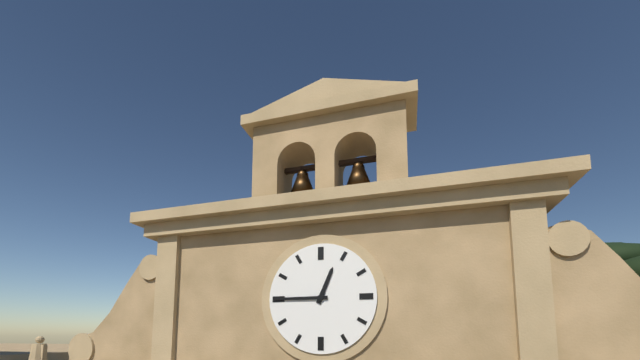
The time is **12:45**
